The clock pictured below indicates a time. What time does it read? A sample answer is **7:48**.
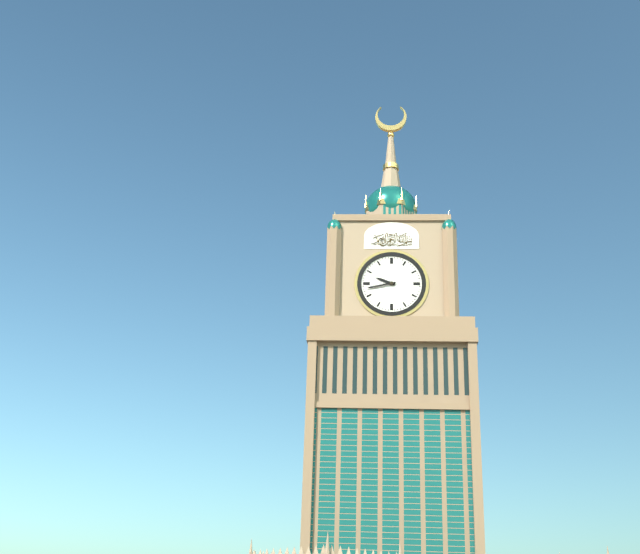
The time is **9:43**
